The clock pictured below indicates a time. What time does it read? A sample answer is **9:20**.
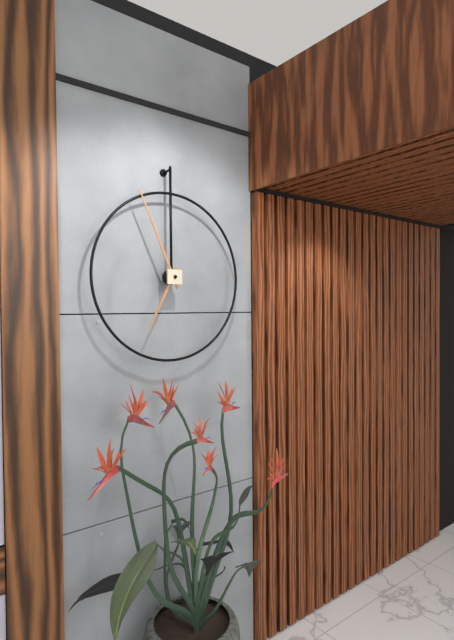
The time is **6:56**
